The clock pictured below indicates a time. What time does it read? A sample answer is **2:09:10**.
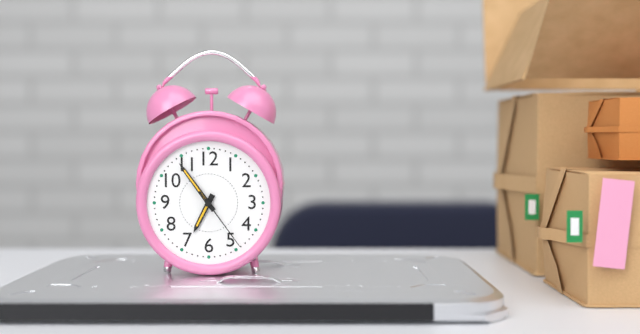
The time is **6:54:24**
